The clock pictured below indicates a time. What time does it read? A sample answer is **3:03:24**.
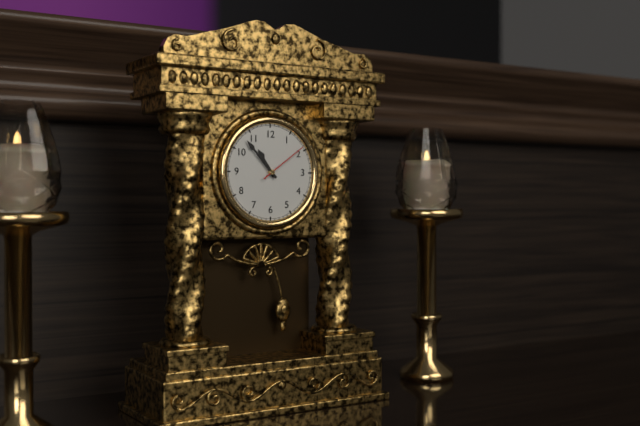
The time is **10:53:09**
